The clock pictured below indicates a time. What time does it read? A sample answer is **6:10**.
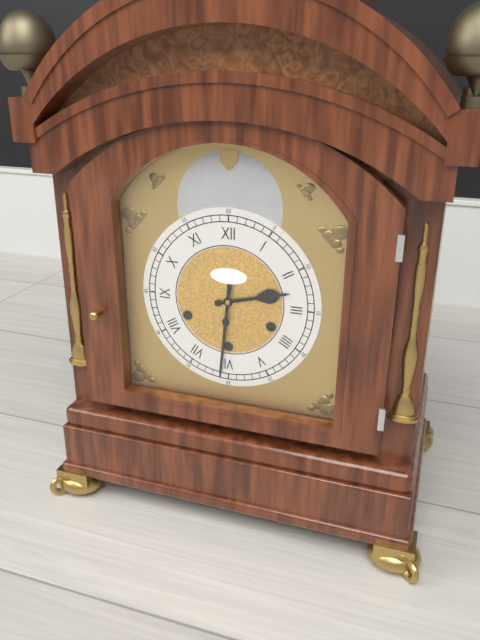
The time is **2:31**
